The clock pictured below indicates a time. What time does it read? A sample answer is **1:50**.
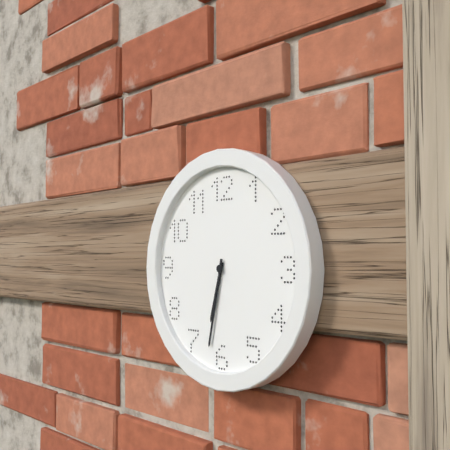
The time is **6:32**
